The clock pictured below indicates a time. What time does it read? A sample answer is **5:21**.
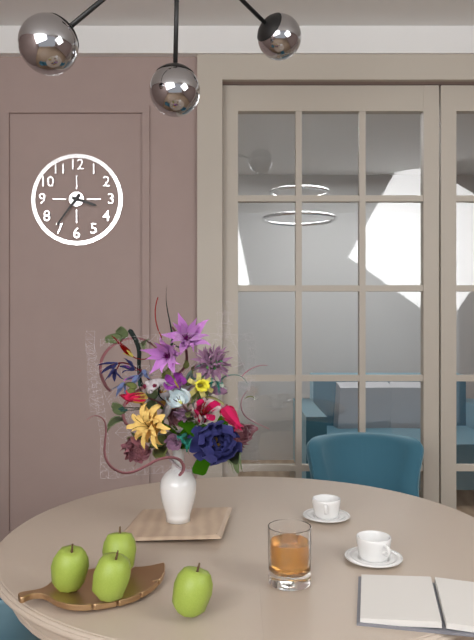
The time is **3:36**
